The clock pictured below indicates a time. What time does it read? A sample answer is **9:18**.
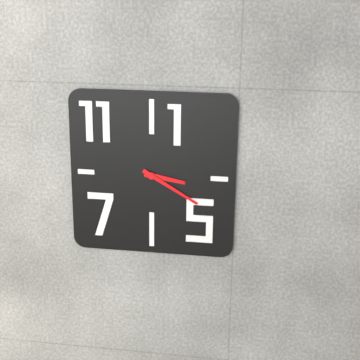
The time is **3:20**
